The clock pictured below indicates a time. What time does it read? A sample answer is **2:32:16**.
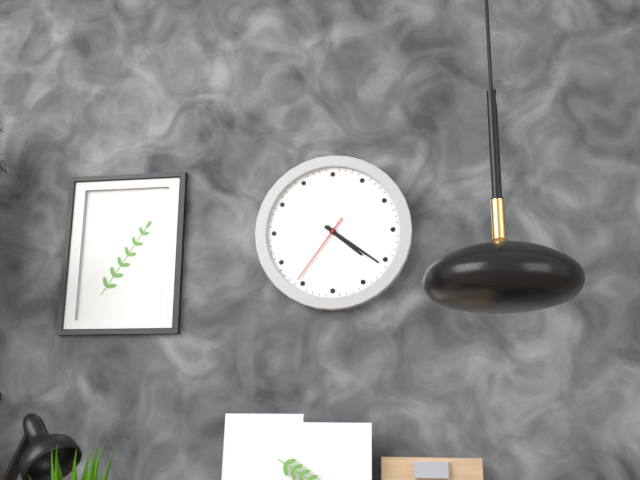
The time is **4:21:36**
